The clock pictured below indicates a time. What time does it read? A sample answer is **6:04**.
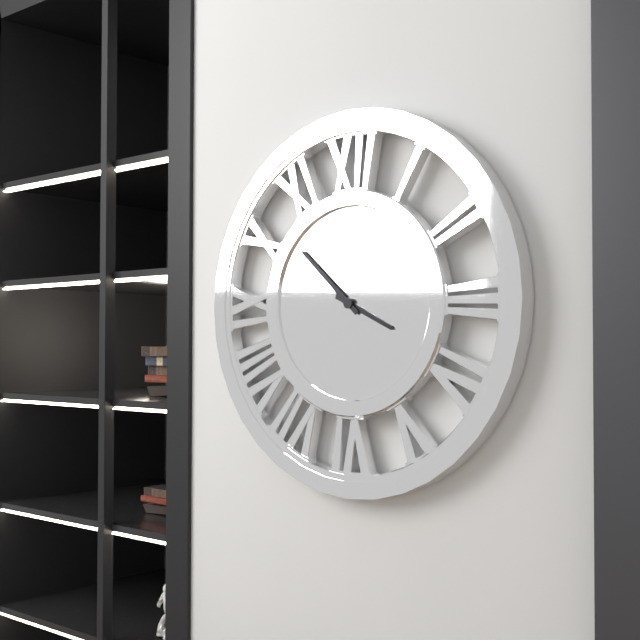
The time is **3:52**
